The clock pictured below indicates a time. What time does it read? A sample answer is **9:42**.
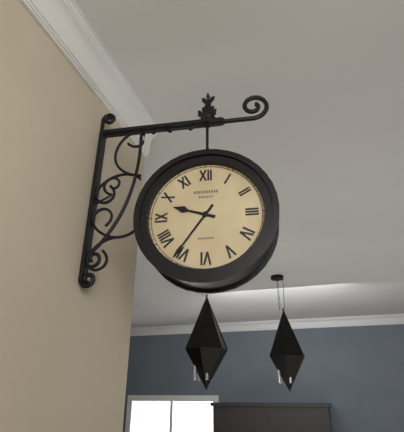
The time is **9:36**
